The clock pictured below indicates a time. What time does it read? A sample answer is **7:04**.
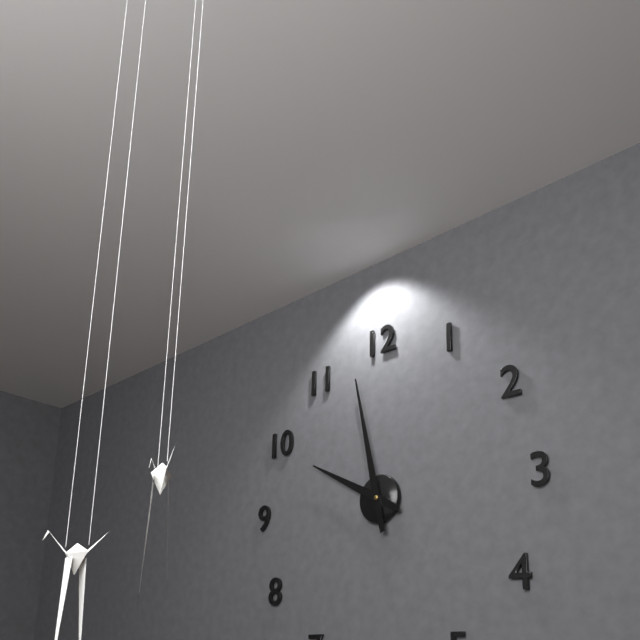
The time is **9:58**
